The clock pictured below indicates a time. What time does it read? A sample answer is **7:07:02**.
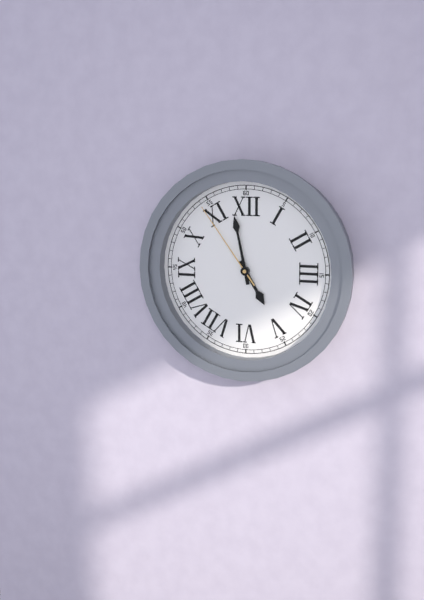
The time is **4:58:54**
